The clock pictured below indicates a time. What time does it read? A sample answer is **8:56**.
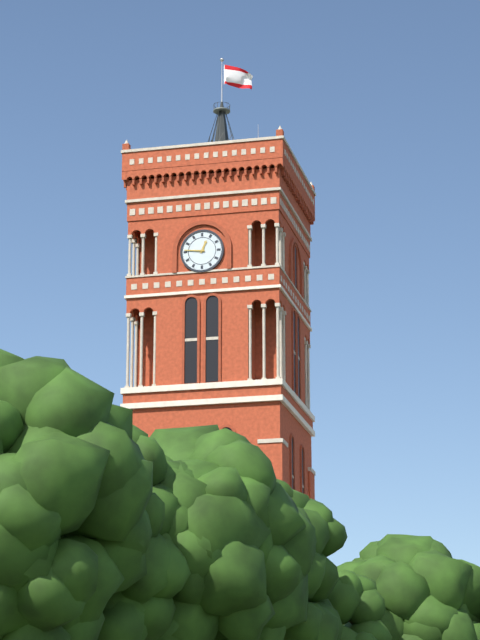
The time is **12:46**
